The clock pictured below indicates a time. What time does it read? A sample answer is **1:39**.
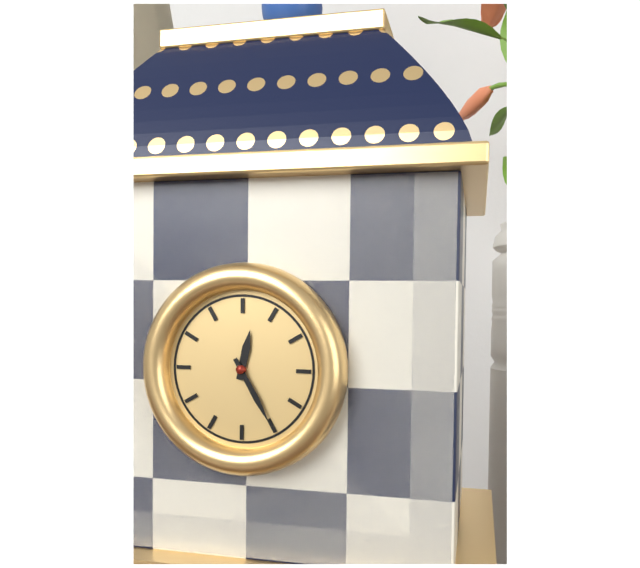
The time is **12:25**
